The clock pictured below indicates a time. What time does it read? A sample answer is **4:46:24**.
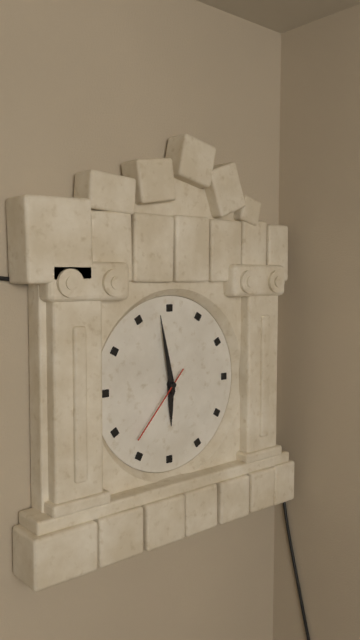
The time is **5:58:37**
